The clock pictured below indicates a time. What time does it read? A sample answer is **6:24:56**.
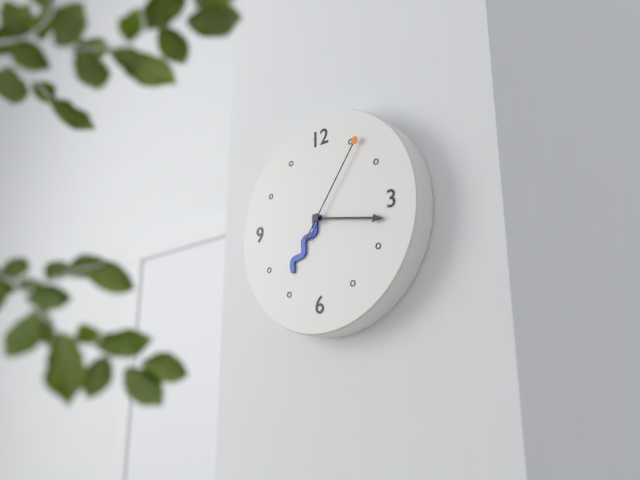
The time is **7:17:06**
